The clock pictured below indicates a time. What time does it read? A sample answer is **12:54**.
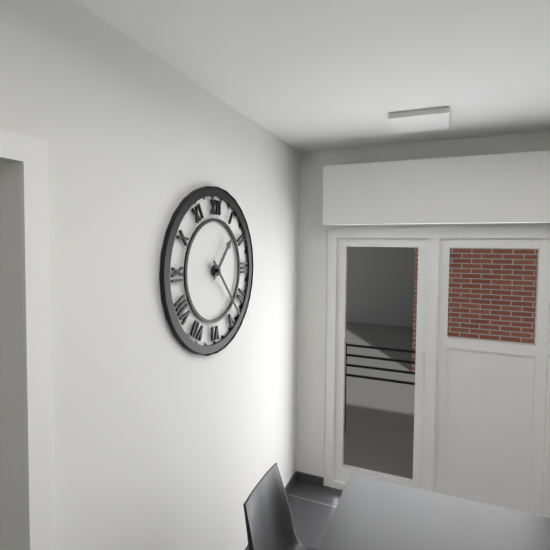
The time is **1:23**
